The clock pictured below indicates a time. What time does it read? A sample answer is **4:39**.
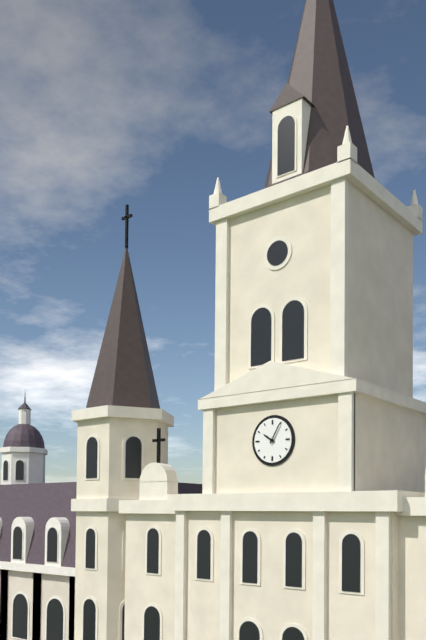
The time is **10:05**
